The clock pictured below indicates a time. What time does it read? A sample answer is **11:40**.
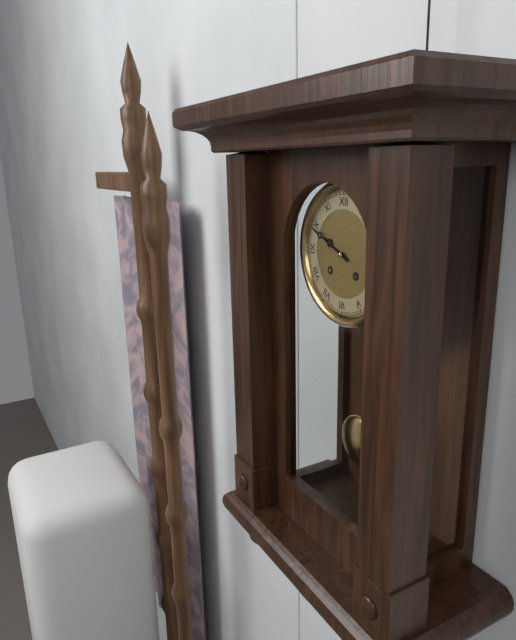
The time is **9:49**
